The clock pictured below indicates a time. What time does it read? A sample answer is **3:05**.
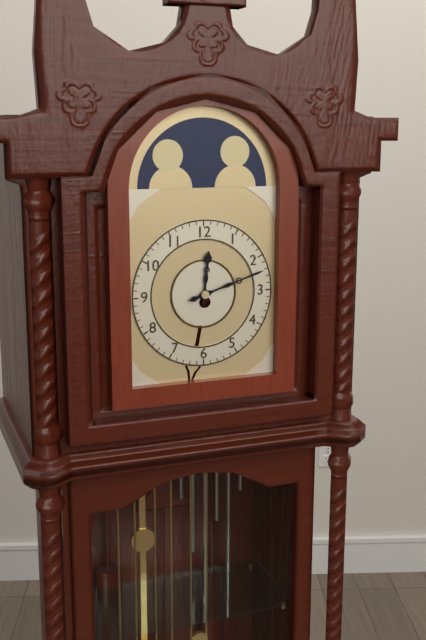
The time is **12:12**
